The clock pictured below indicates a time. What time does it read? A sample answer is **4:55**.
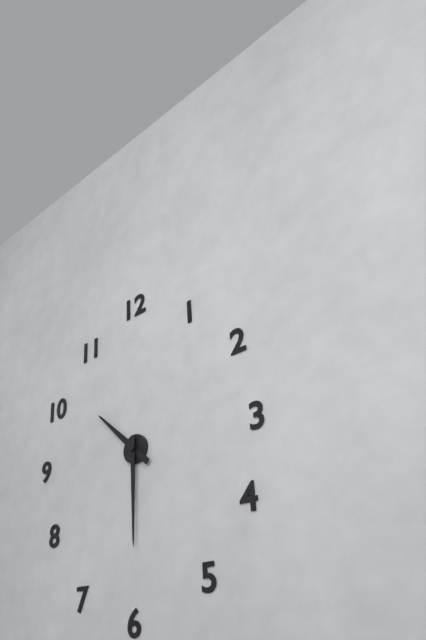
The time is **10:30**
